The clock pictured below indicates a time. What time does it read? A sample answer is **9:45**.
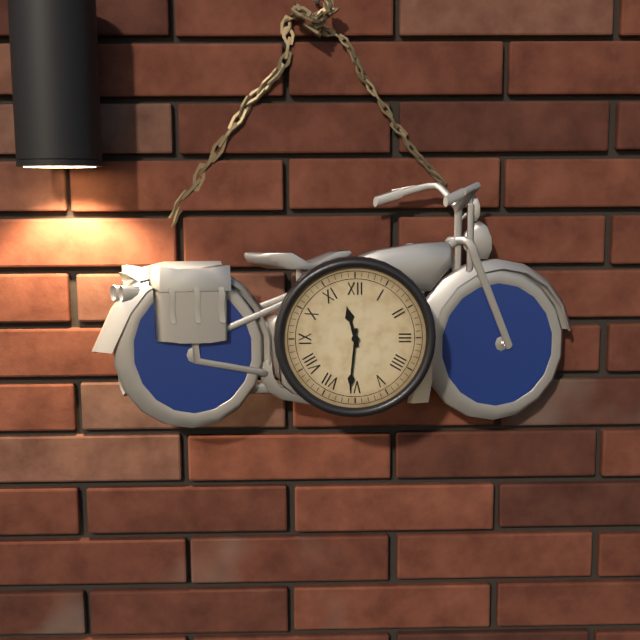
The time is **11:31**
